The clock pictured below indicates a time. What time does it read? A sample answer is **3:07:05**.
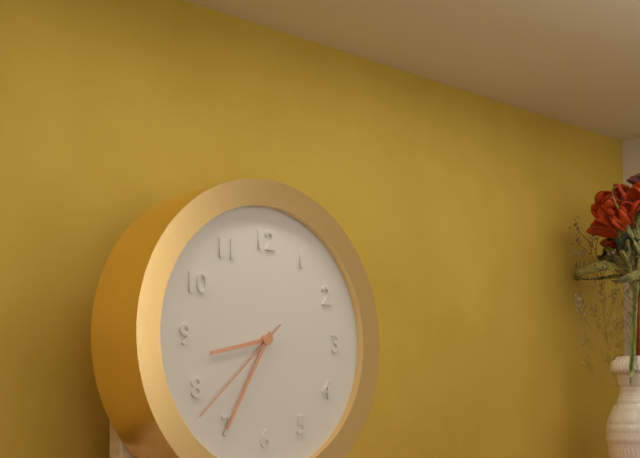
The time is **8:35:38**
